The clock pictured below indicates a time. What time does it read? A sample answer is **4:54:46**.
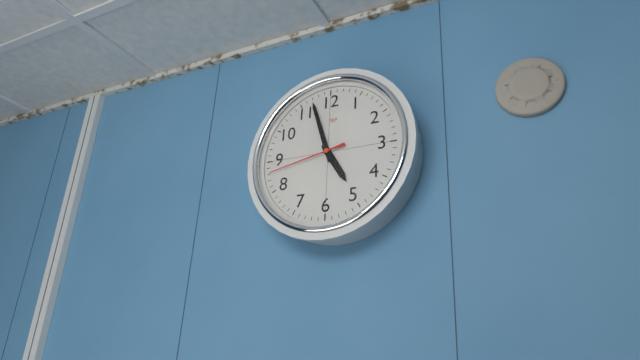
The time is **4:57:43**
